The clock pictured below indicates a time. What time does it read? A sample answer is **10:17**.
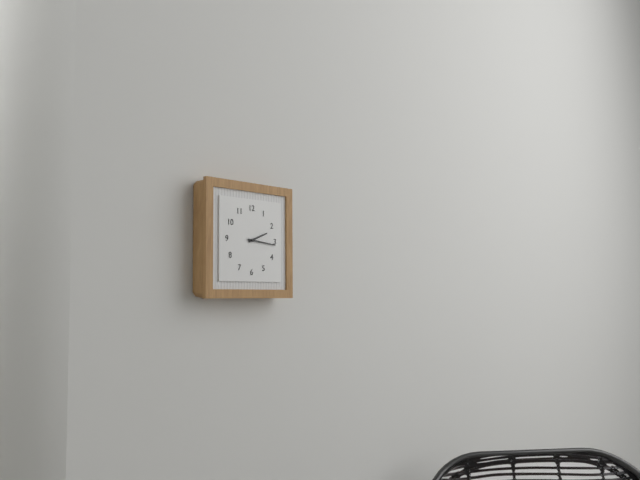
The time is **2:16**
